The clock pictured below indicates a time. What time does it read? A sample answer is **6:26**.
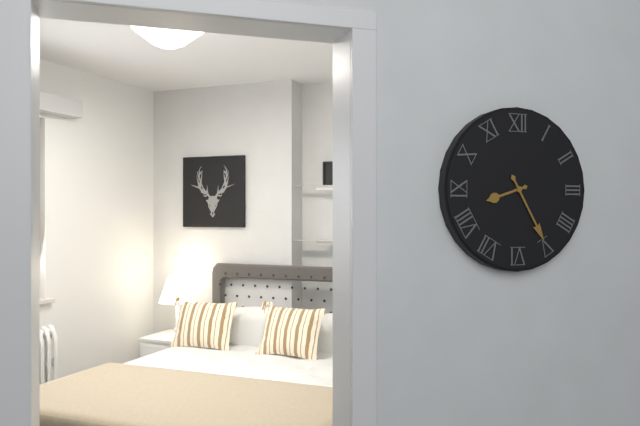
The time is **8:25**
